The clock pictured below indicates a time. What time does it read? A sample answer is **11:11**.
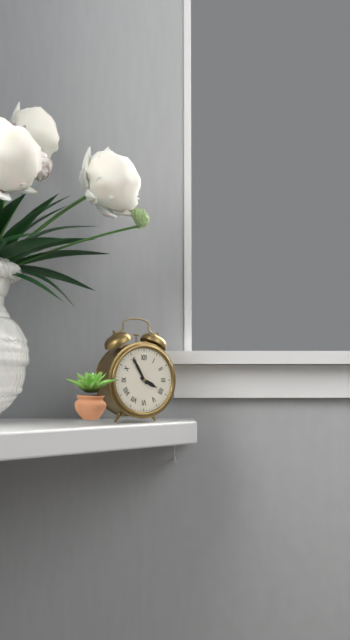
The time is **3:55**
